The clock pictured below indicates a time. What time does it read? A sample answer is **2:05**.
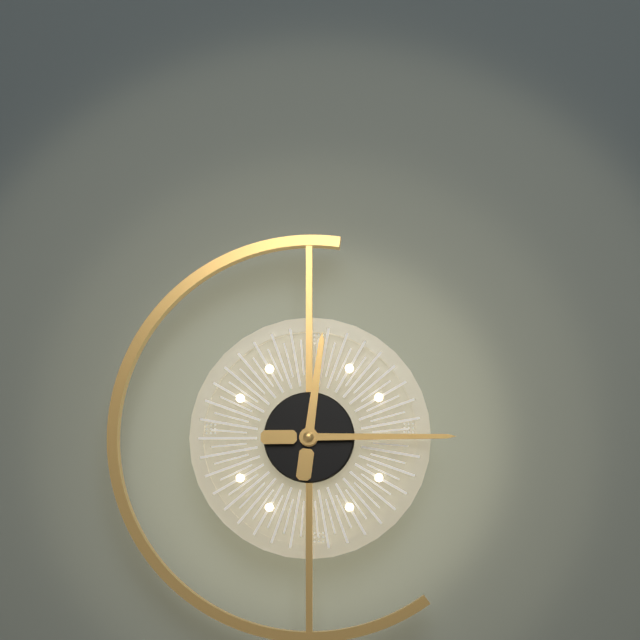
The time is **12:15**
